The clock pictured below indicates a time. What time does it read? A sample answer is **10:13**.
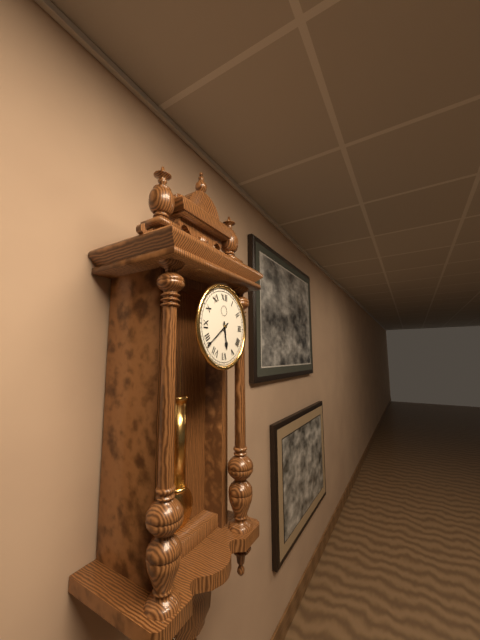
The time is **5:39**
